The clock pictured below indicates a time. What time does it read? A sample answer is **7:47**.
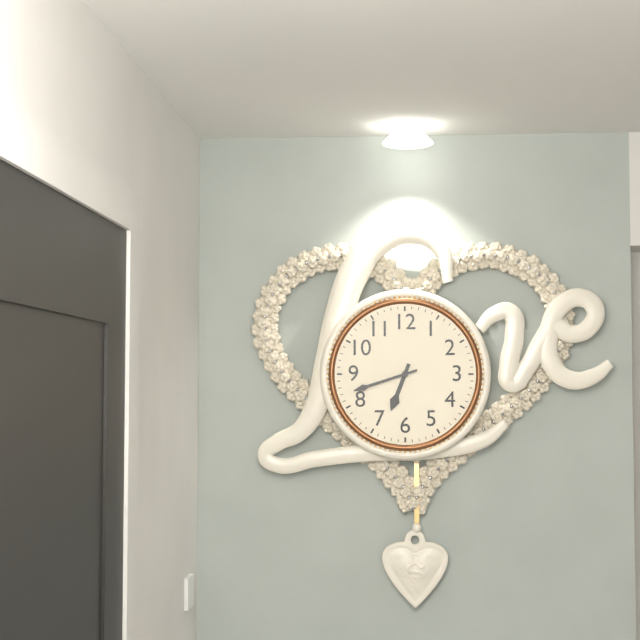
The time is **6:42**
